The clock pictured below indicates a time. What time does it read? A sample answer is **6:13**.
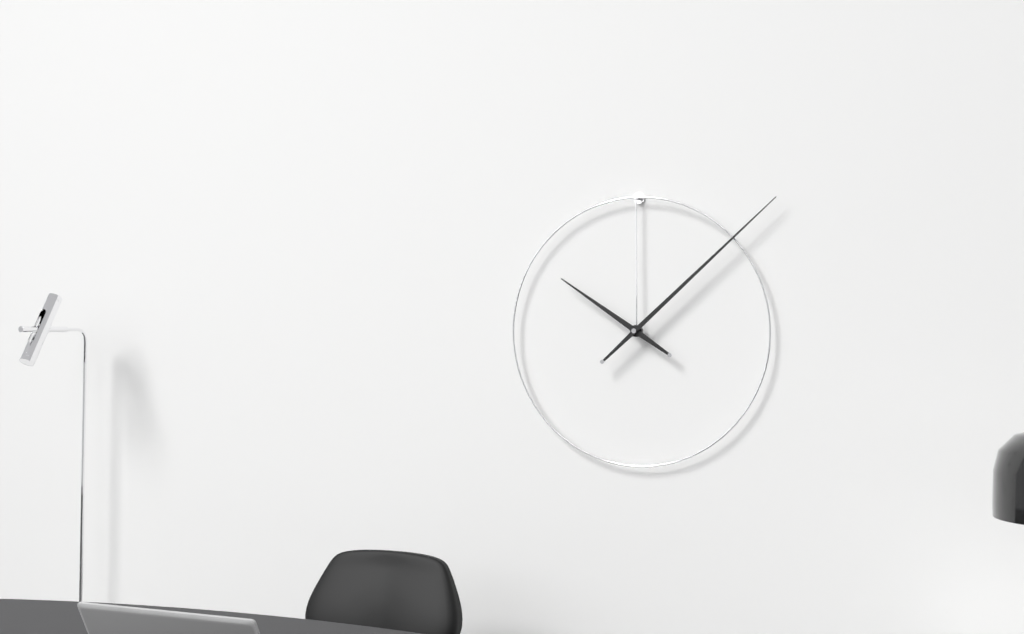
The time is **10:08**
